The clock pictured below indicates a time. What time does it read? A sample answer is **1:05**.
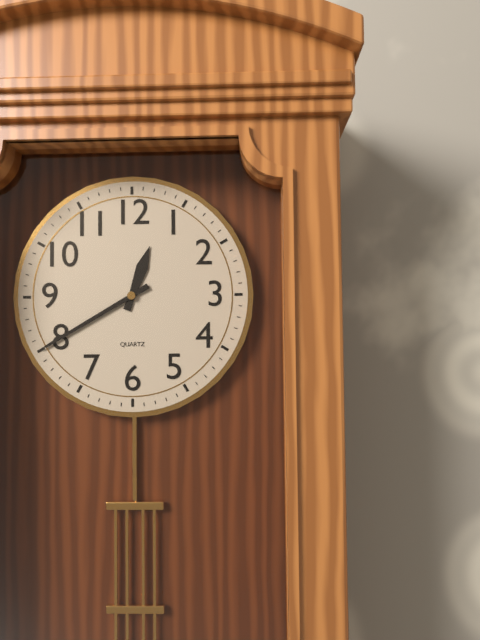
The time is **12:40**
